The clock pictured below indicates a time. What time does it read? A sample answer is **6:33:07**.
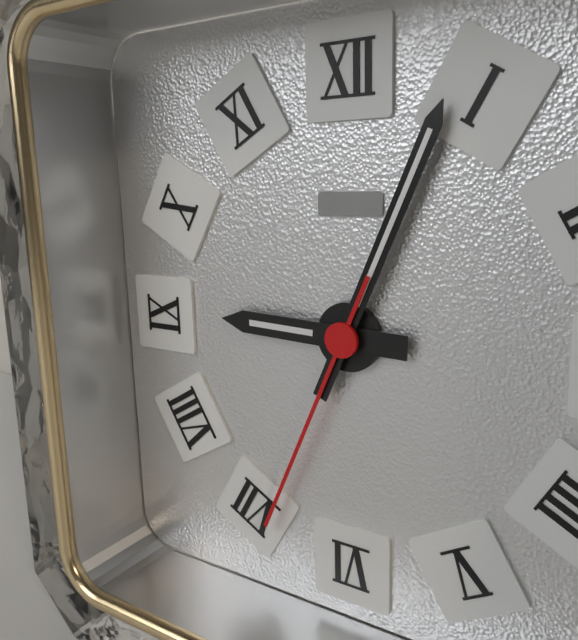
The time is **9:04:34**
